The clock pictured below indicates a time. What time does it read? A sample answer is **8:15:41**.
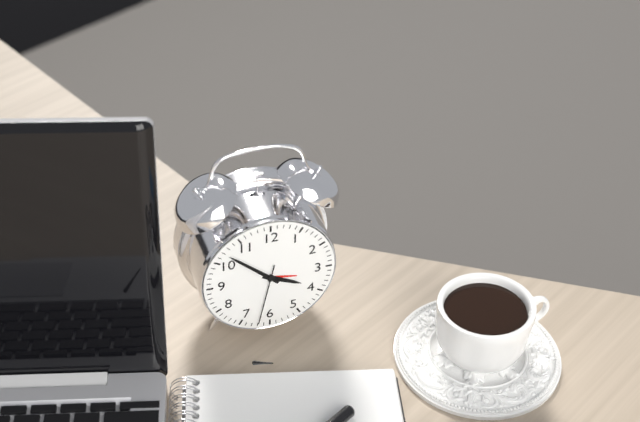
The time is **3:52:32**
